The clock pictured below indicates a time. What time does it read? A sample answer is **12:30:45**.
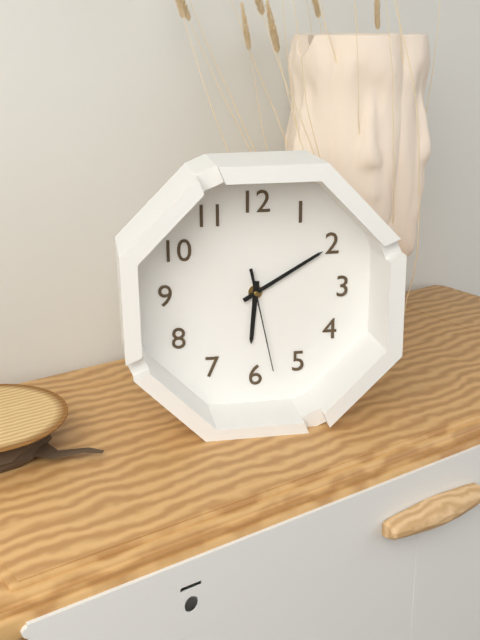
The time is **6:10:28**
